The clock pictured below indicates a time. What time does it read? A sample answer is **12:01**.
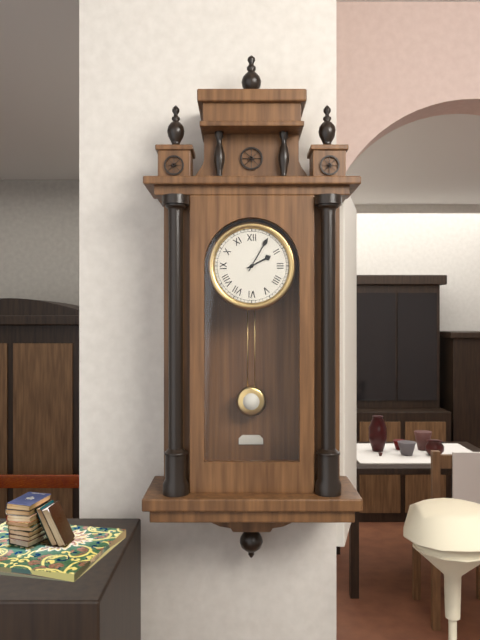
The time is **2:05**
